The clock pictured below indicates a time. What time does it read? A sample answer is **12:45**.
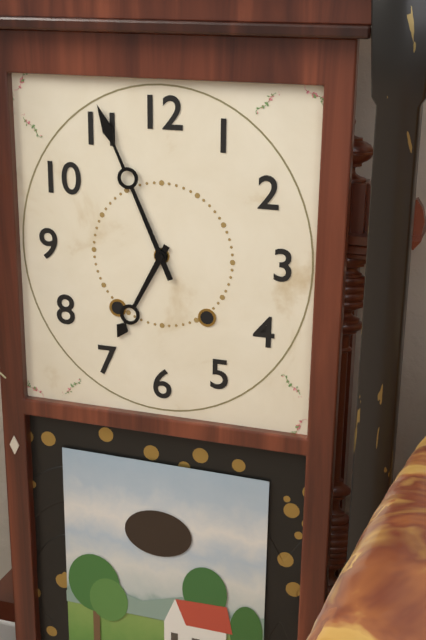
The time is **6:56**
